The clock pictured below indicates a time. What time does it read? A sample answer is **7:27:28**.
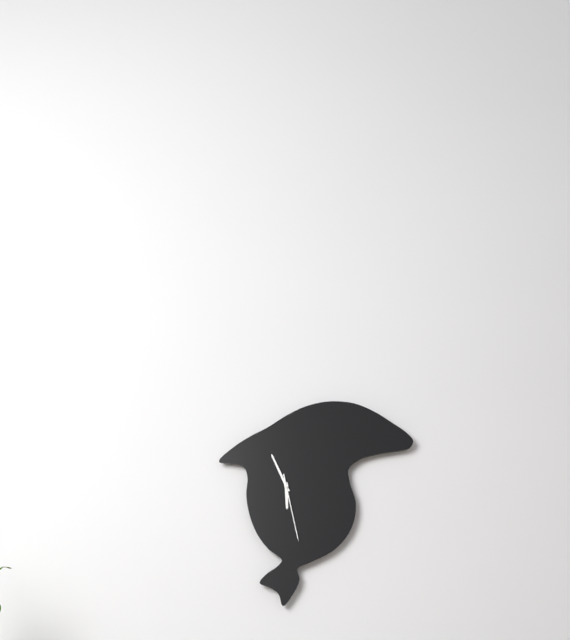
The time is **5:56:28**
